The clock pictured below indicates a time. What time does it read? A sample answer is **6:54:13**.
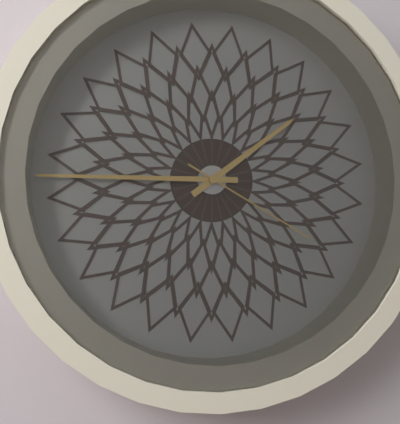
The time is **1:45:20**
